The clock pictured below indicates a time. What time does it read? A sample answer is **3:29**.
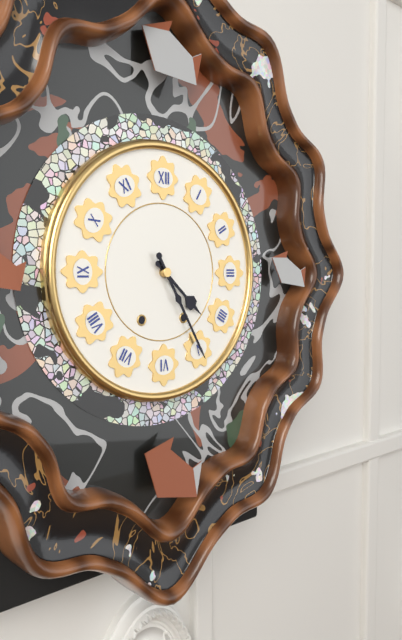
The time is **4:25**
